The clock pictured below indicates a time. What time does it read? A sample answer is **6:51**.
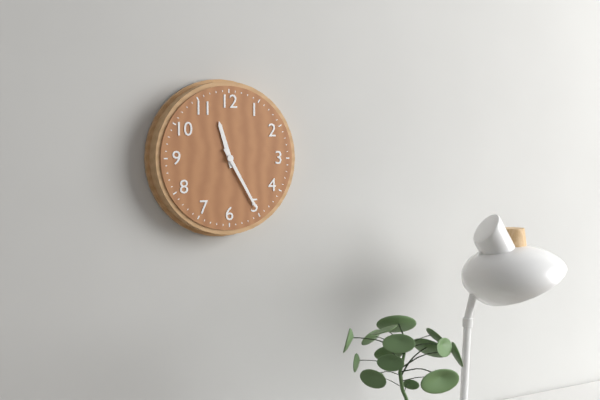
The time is **11:25**
